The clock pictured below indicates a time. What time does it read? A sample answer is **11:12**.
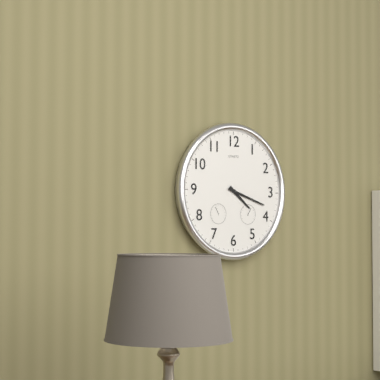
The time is **4:18**
